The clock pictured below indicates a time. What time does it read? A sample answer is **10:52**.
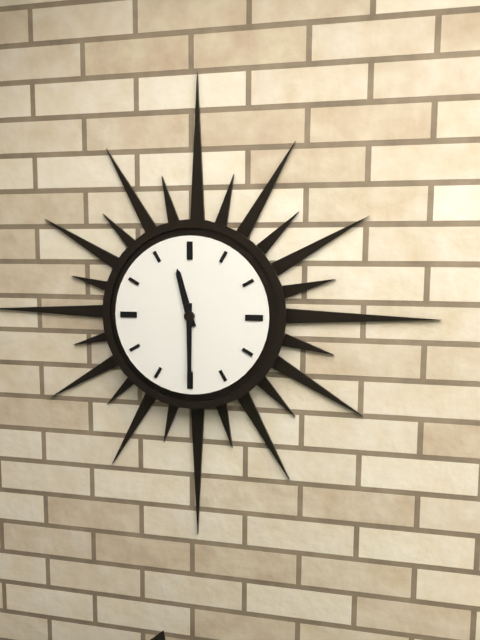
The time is **11:30**
